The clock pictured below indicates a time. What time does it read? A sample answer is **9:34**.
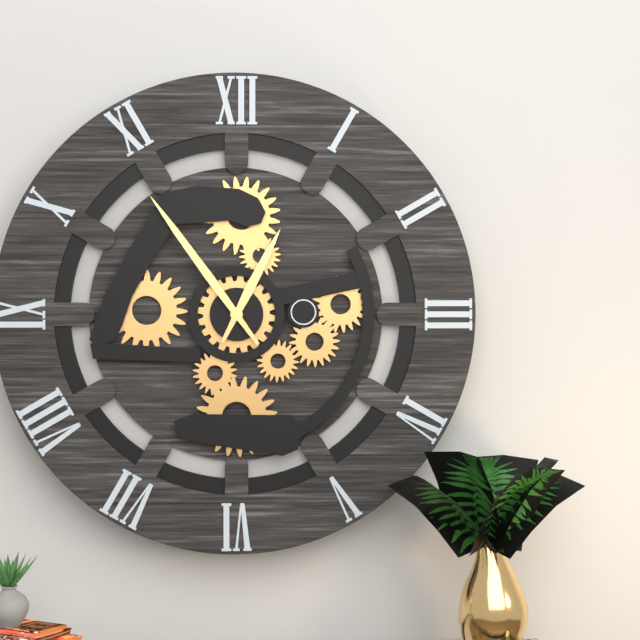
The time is **12:54**
